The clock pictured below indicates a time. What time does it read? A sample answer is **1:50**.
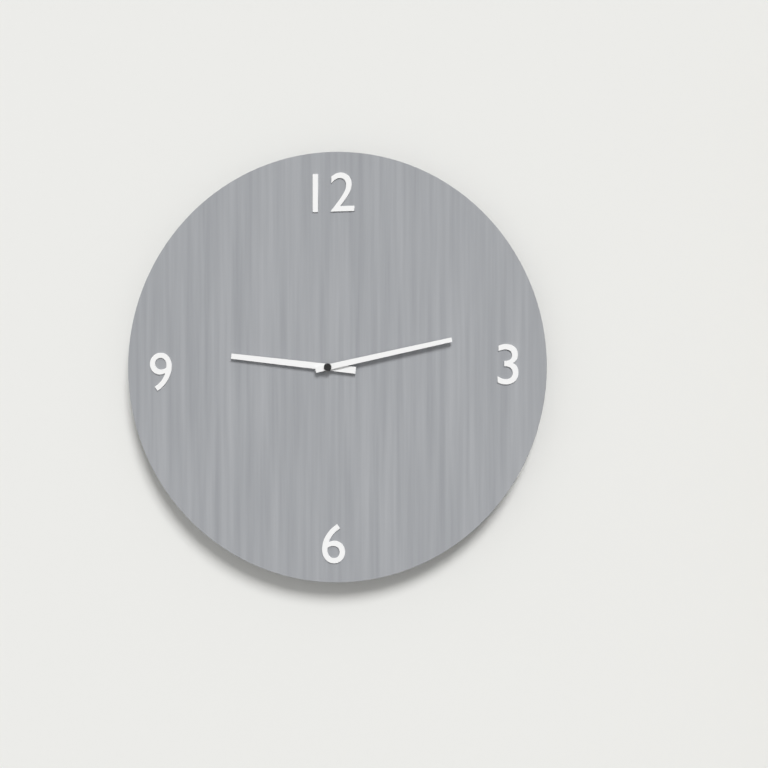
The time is **9:13**
